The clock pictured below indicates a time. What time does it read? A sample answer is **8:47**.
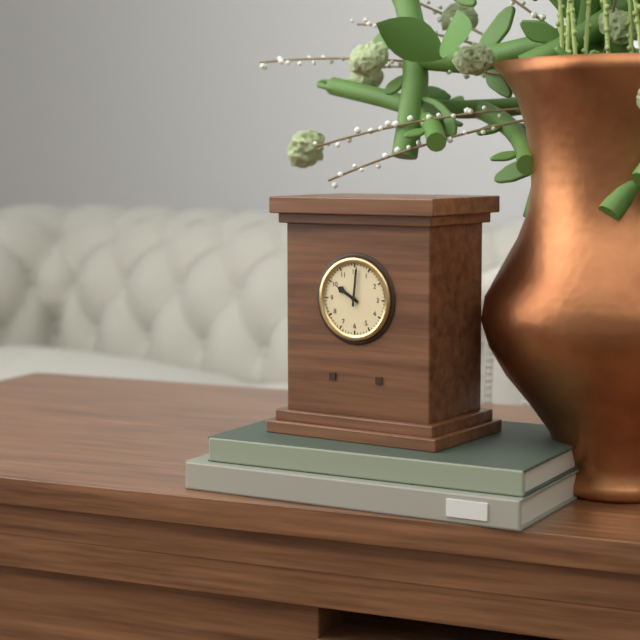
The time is **10:01**
